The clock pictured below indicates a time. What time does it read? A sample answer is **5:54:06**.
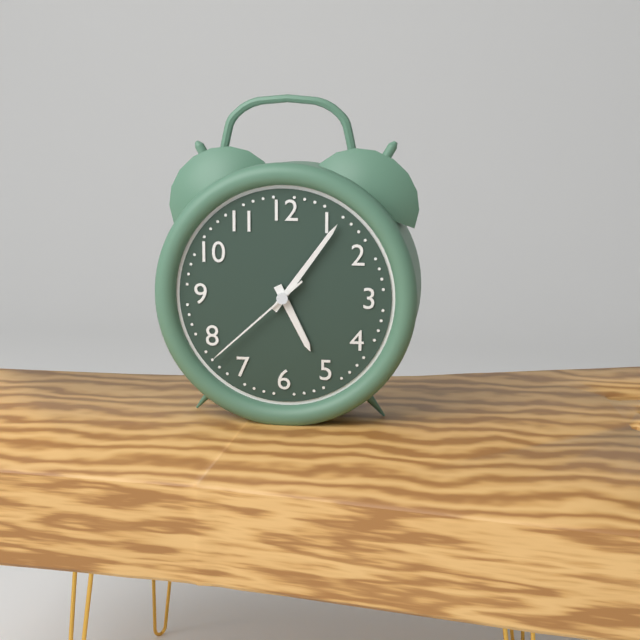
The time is **5:06:38**
